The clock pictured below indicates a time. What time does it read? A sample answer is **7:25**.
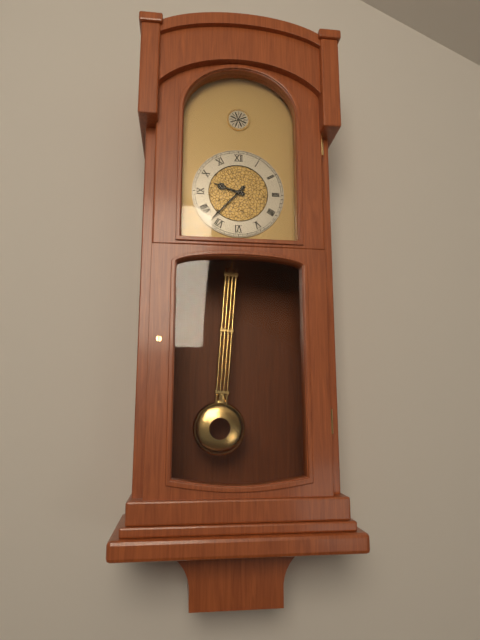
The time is **9:37**
